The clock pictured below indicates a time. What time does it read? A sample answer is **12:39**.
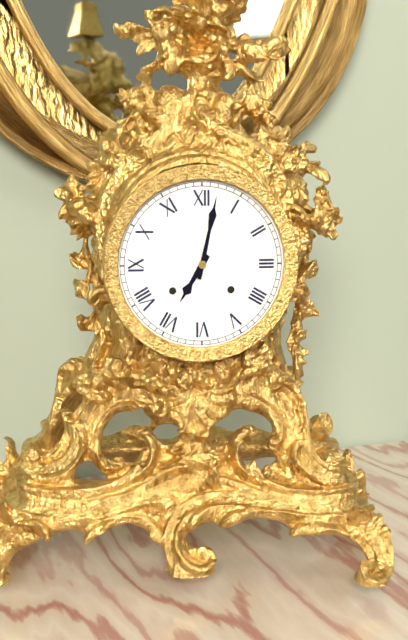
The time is **7:02**
